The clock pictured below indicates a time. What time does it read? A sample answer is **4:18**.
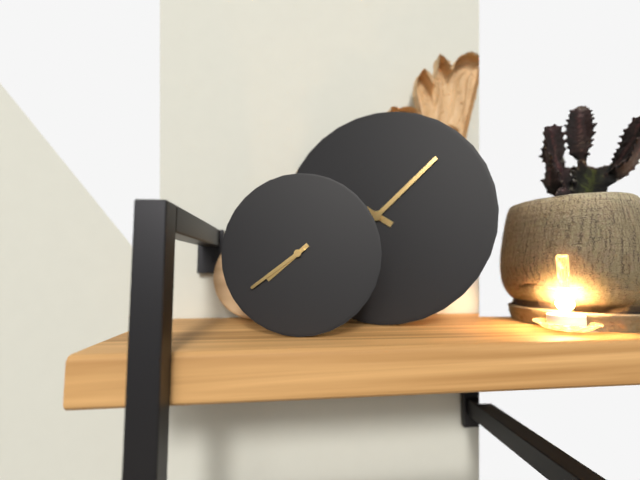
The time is **7:39**
